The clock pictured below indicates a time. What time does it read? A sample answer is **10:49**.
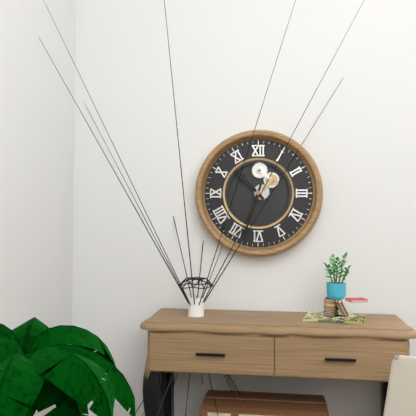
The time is **10:33**
